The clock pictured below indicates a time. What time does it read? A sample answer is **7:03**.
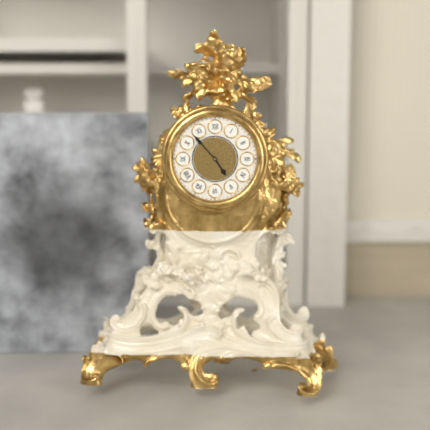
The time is **4:53**
